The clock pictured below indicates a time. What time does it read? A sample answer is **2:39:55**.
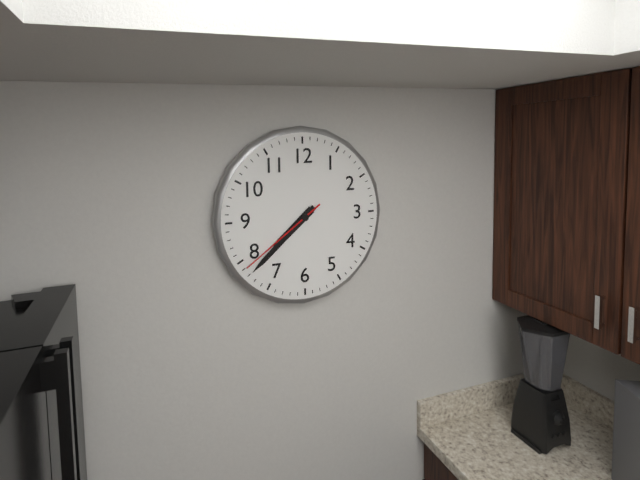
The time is **7:38:39**
